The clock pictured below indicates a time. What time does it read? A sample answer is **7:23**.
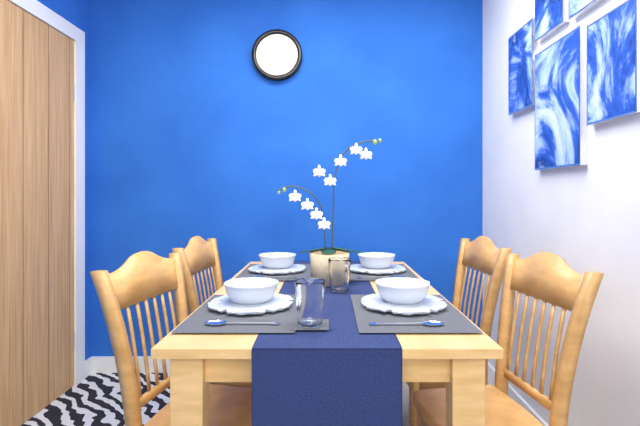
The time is **1:04**
